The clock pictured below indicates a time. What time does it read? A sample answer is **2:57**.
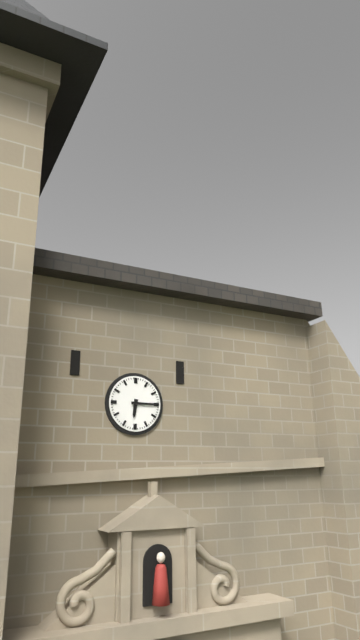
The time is **6:15**
